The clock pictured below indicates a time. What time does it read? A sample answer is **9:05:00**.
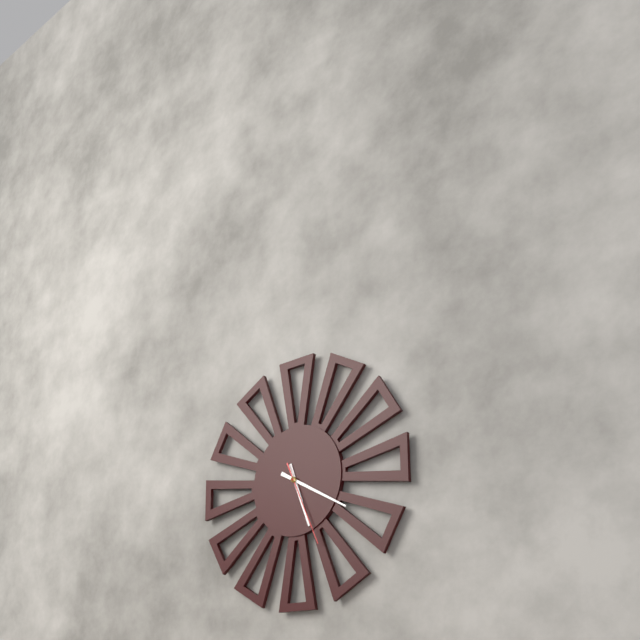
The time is **5:20:26**
